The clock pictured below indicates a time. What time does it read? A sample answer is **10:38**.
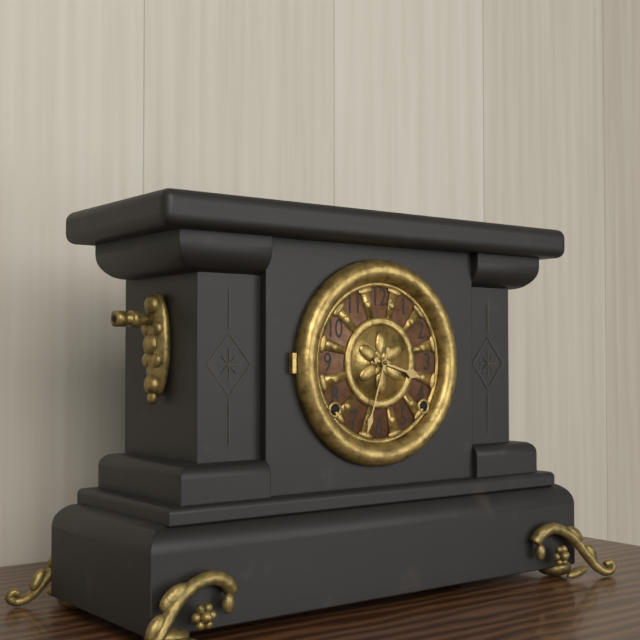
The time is **3:33**
